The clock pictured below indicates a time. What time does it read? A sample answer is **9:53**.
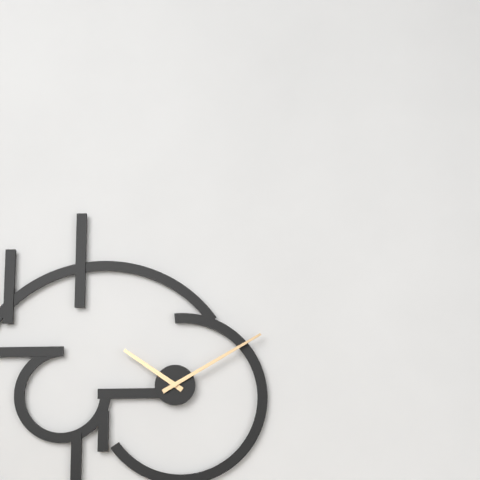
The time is **10:10**
